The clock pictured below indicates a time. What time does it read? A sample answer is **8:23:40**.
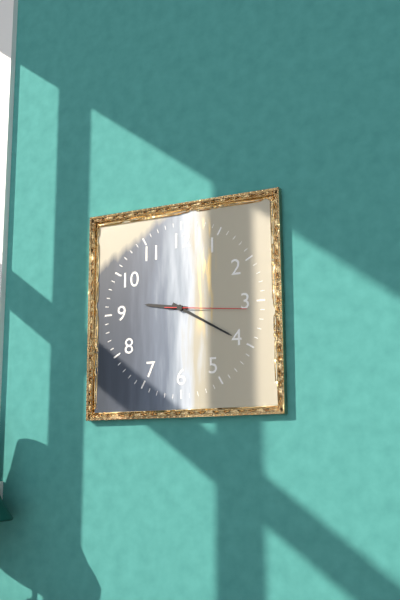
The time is **9:20:16**
